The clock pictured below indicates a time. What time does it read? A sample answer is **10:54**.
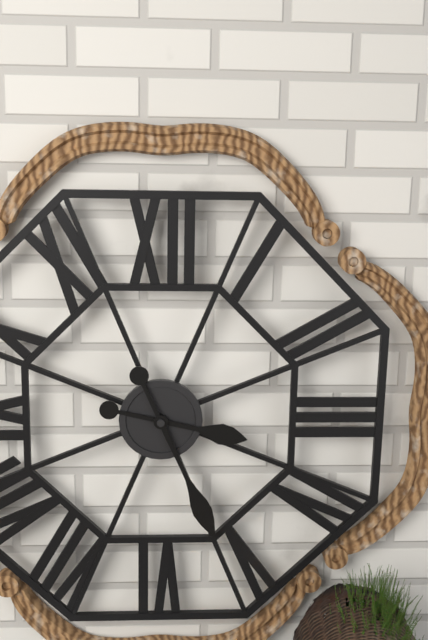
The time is **3:26**
